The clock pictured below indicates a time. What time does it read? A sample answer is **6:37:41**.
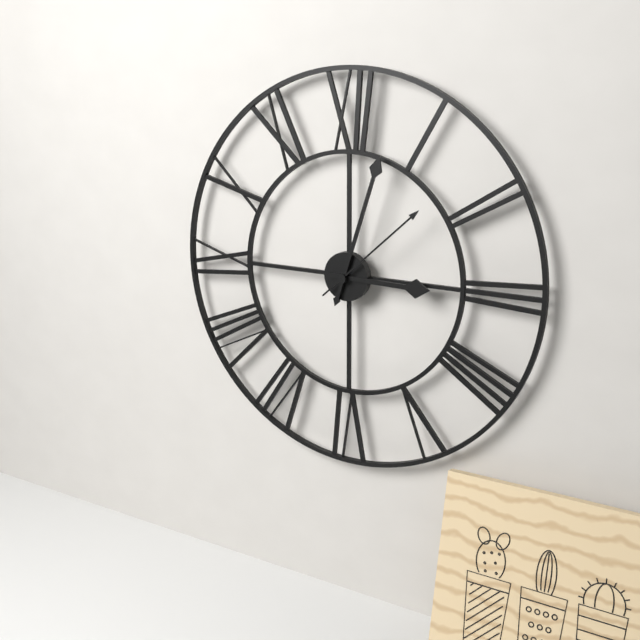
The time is **3:03:08**
